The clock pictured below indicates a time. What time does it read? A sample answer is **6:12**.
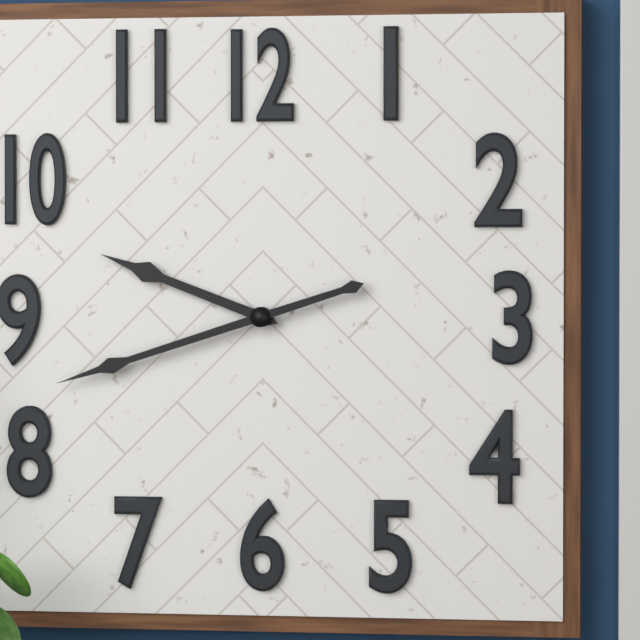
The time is **9:42**
